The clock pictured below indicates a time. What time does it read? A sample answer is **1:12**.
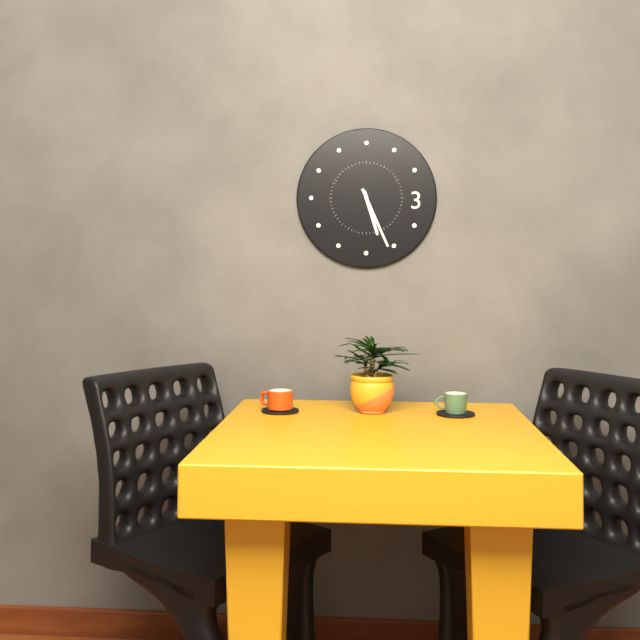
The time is **5:26**
